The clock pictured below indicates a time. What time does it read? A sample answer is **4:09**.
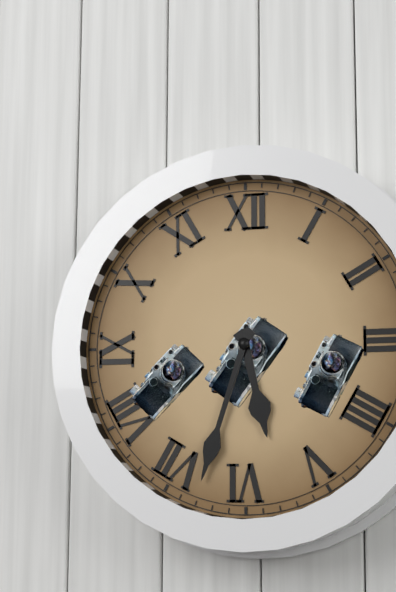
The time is **5:33**
